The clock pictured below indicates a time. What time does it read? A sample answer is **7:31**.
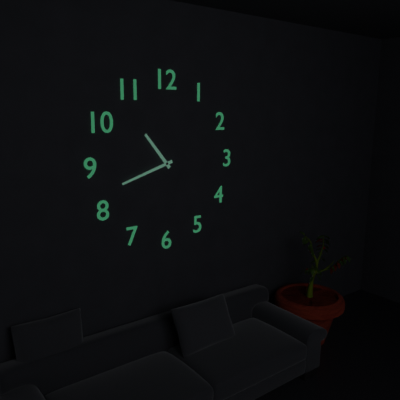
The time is **10:42**
